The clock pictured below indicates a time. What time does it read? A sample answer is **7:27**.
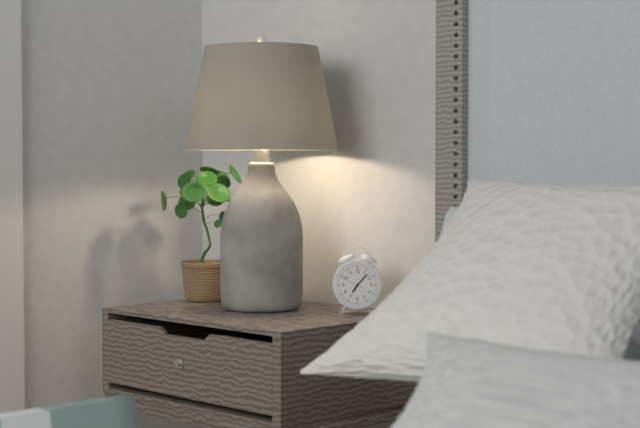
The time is **7:07**
